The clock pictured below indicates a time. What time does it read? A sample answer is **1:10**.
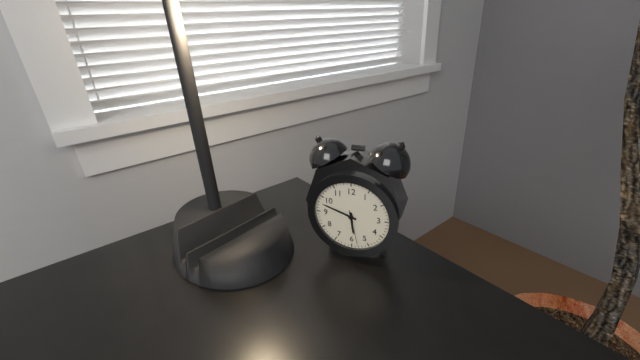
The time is **5:48**
